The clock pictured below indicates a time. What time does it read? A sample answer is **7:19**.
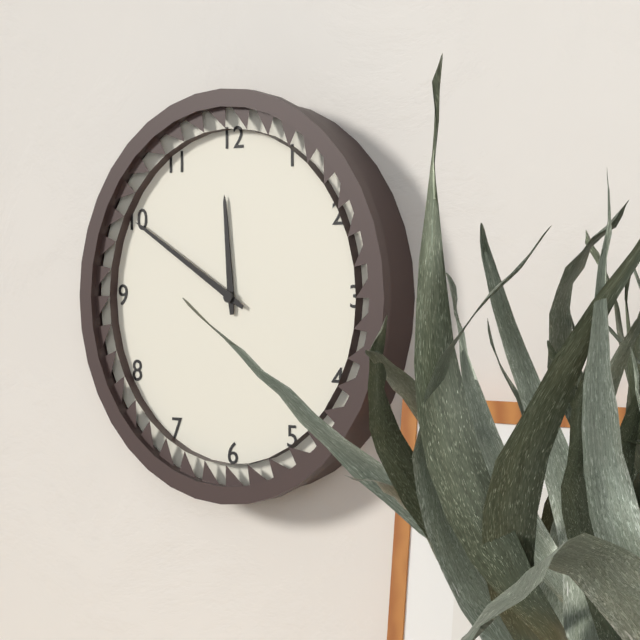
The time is **11:50**
